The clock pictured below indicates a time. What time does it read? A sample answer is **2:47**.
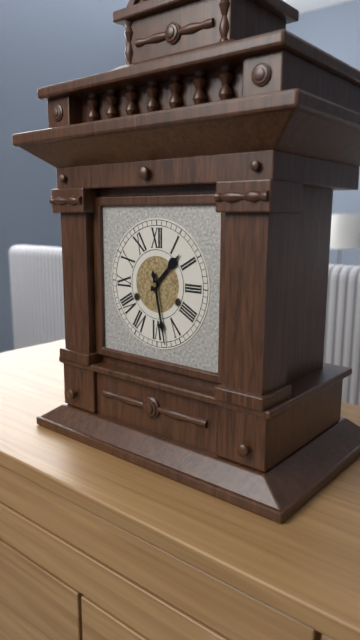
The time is **1:28**
